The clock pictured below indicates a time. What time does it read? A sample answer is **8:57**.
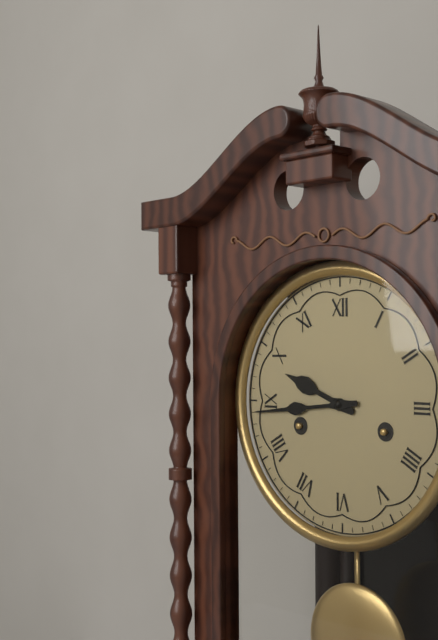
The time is **9:44**
